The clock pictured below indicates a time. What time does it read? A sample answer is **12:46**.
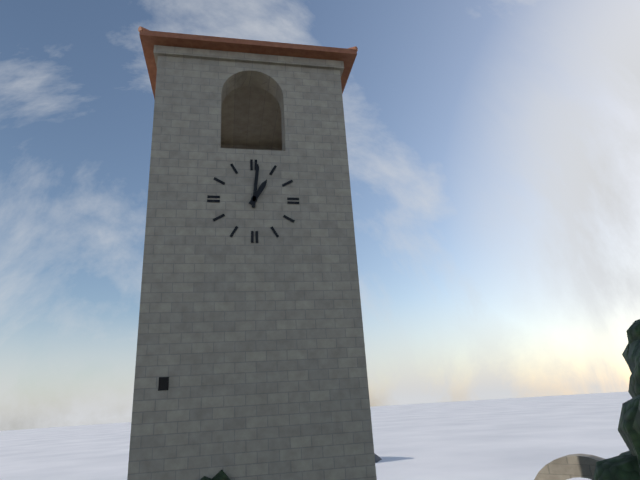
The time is **1:01**
